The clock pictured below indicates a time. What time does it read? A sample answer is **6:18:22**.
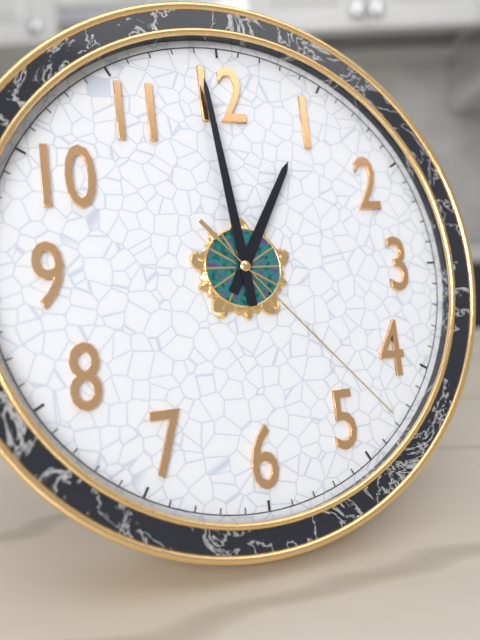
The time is **12:59:23**
